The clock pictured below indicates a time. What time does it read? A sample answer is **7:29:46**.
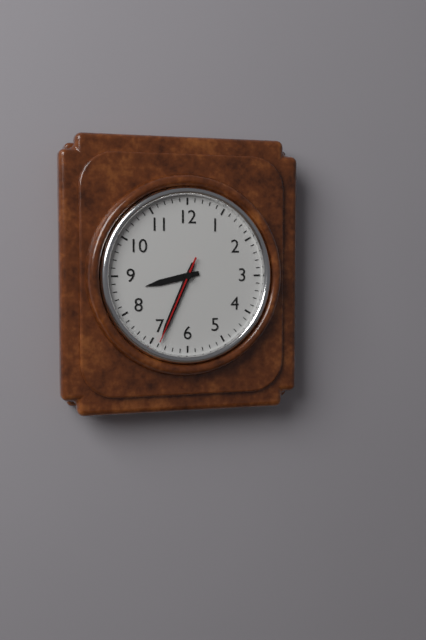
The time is **8:34:34**
